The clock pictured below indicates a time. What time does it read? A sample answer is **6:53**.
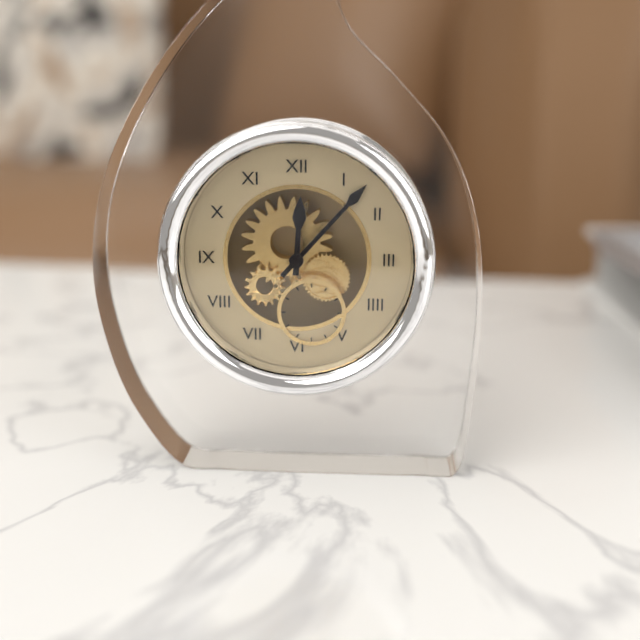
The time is **12:07**
